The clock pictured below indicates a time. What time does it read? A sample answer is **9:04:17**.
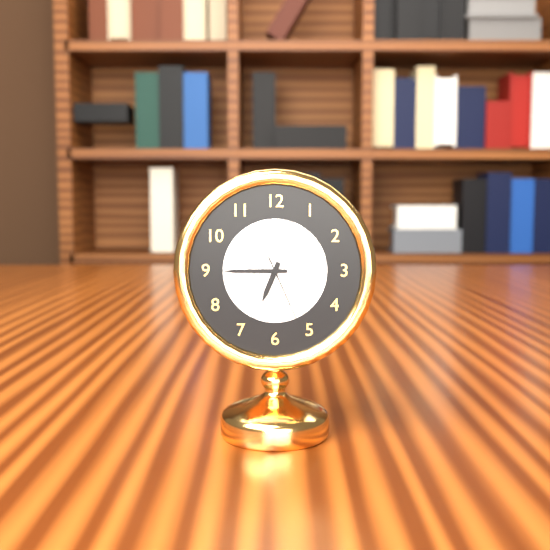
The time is **6:45:26**
